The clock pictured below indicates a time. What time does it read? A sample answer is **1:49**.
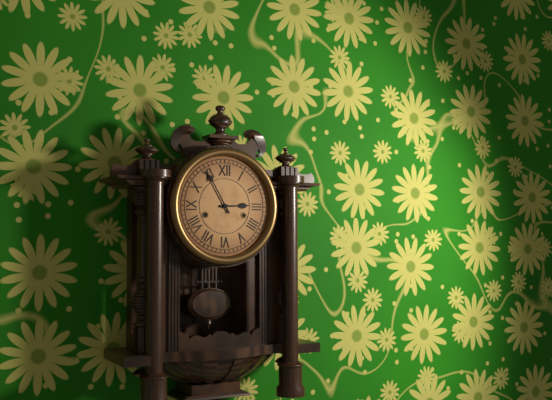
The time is **2:55**
